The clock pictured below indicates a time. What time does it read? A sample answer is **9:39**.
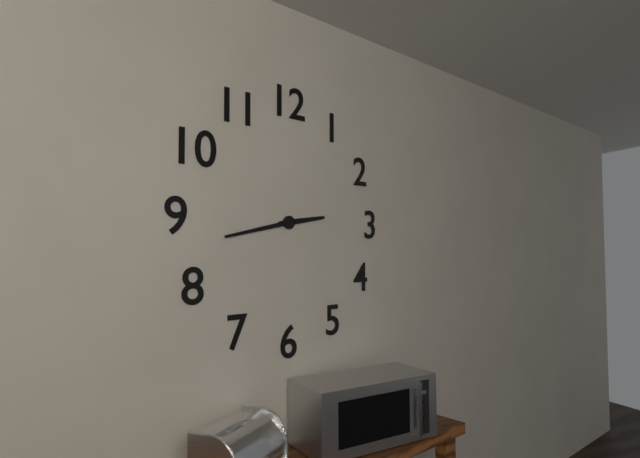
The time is **2:43**
